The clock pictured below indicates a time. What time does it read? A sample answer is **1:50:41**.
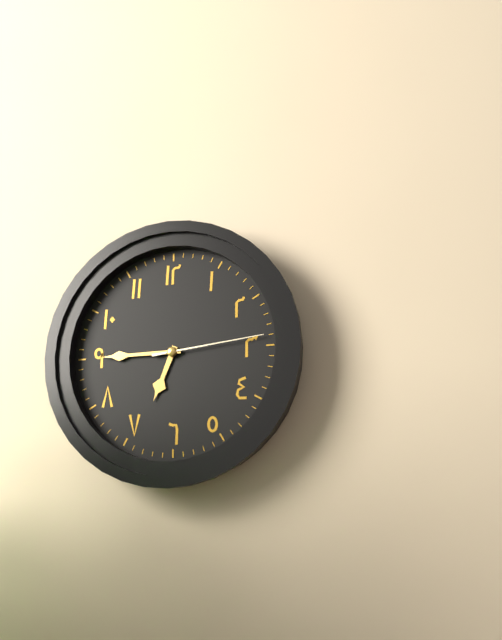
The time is **6:45:14**
